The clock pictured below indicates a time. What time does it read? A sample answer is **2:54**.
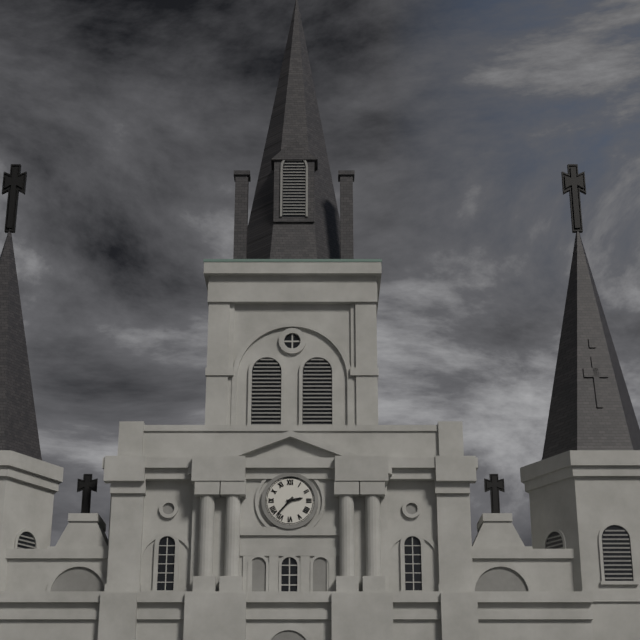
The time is **2:37**
